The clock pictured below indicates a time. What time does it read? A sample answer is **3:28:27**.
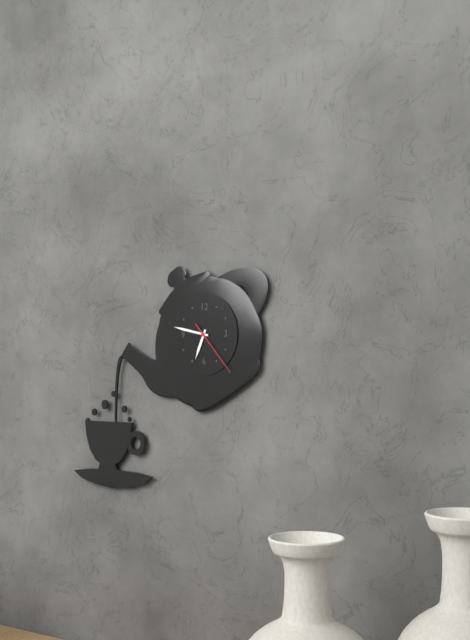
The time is **6:47:23**
